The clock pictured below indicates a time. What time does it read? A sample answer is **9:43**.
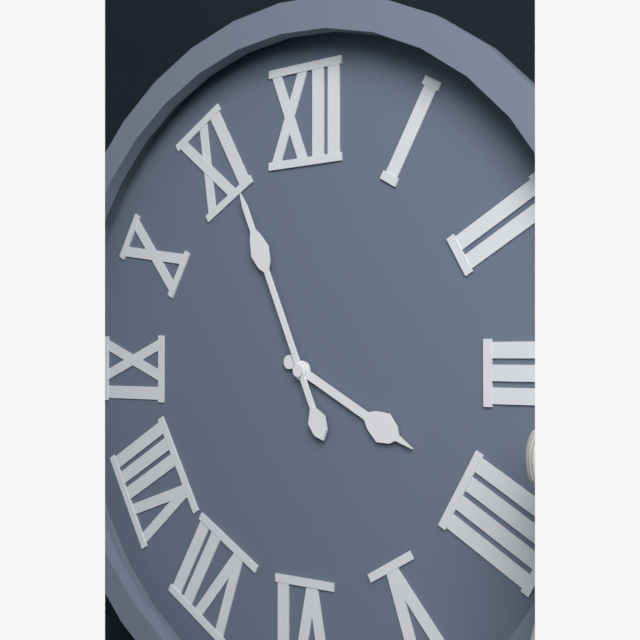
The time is **3:56**
